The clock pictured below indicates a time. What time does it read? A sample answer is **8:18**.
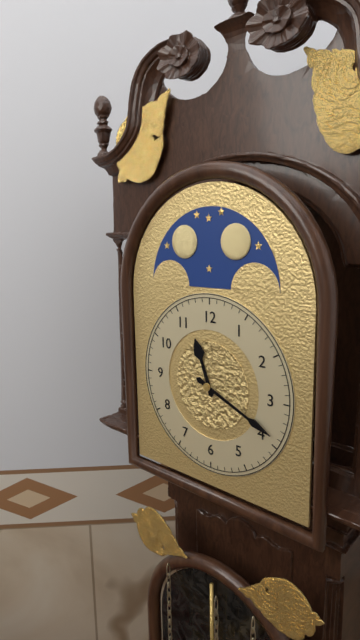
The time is **11:19**
